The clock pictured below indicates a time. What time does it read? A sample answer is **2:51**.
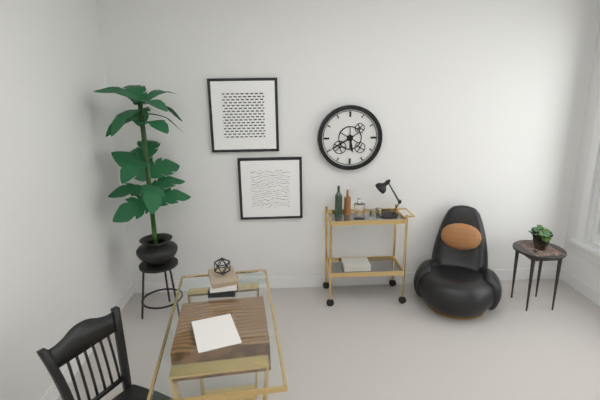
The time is **5:40**
